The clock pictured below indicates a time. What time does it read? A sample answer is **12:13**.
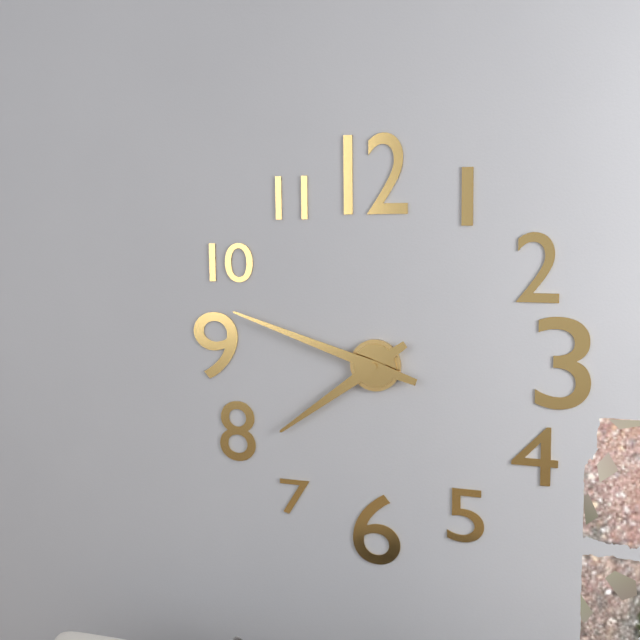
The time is **7:48**
